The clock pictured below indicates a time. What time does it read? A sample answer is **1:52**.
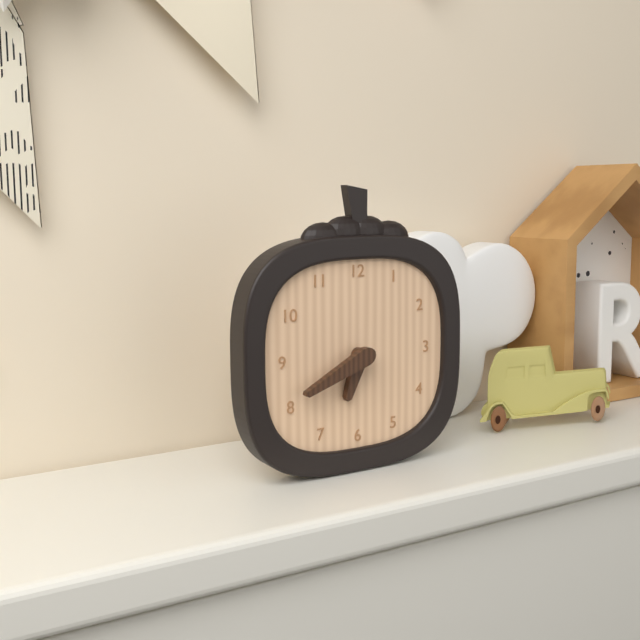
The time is **6:41**
